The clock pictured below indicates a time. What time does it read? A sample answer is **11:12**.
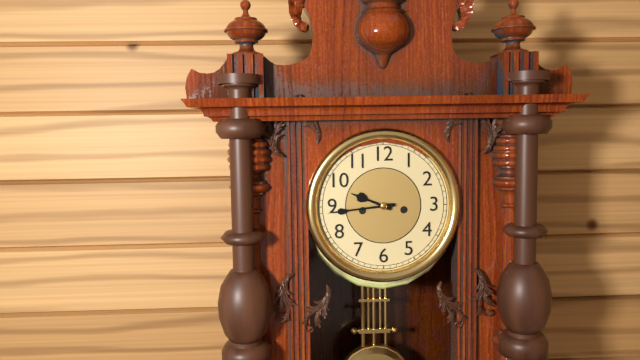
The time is **9:44**
